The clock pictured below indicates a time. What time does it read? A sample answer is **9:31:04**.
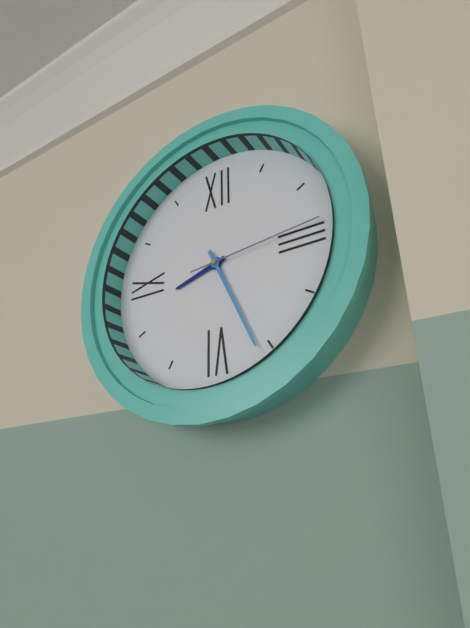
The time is **8:26:14**
